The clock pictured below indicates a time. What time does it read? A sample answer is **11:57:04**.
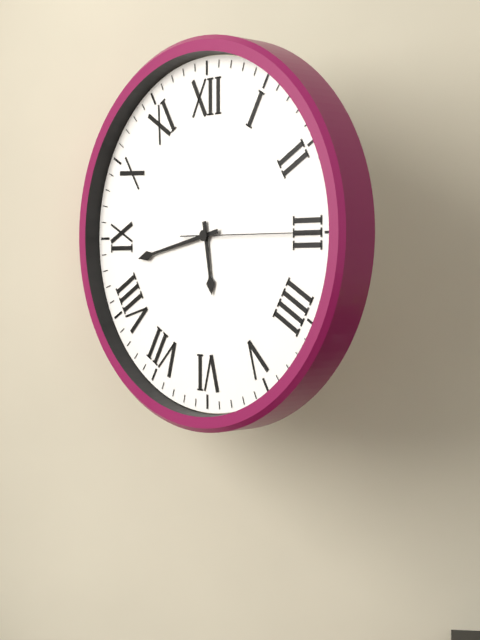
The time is **5:43:15**
